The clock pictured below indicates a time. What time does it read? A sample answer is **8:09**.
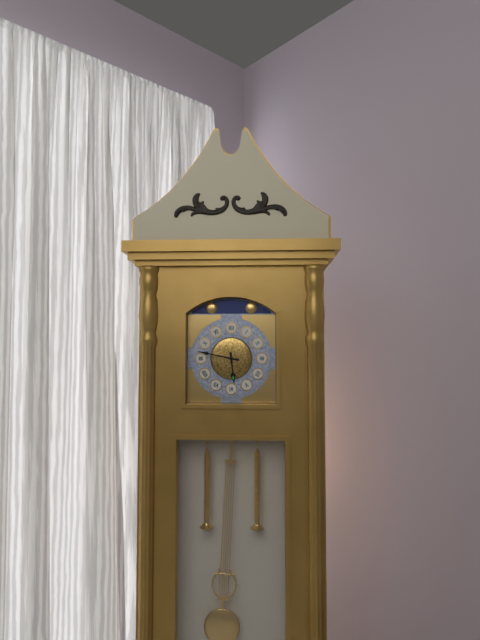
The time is **5:47**
